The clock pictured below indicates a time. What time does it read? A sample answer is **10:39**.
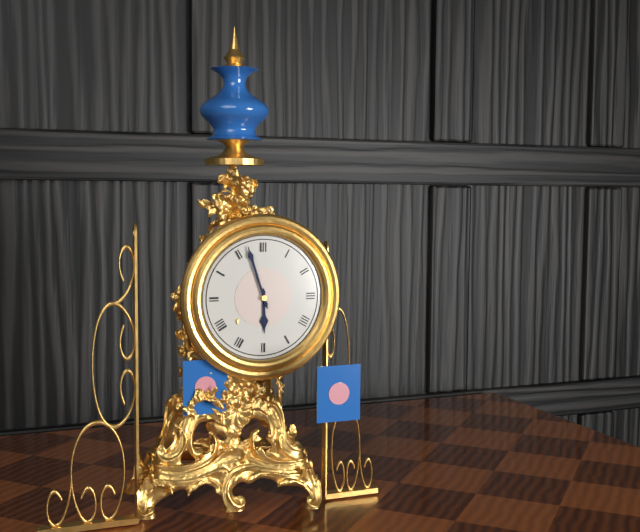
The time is **5:57**
